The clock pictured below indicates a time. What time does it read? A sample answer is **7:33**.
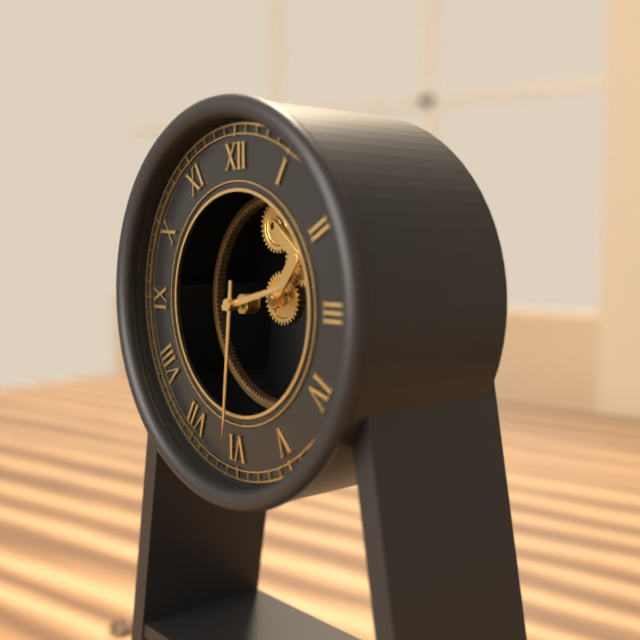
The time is **2:31**
